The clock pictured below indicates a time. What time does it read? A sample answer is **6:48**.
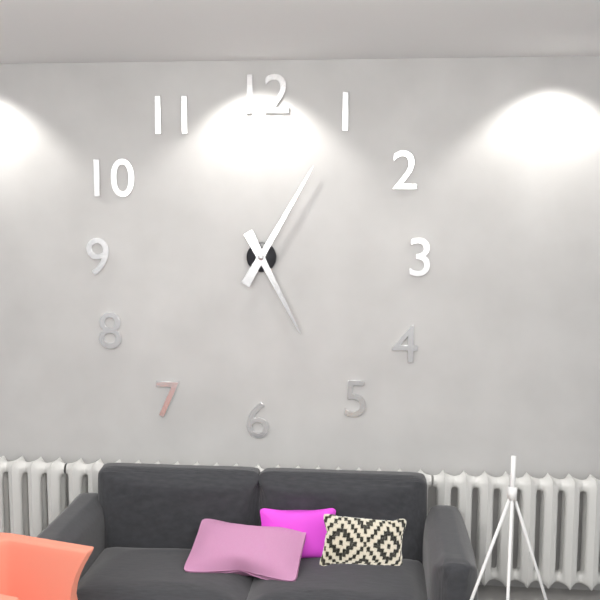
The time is **5:05**
